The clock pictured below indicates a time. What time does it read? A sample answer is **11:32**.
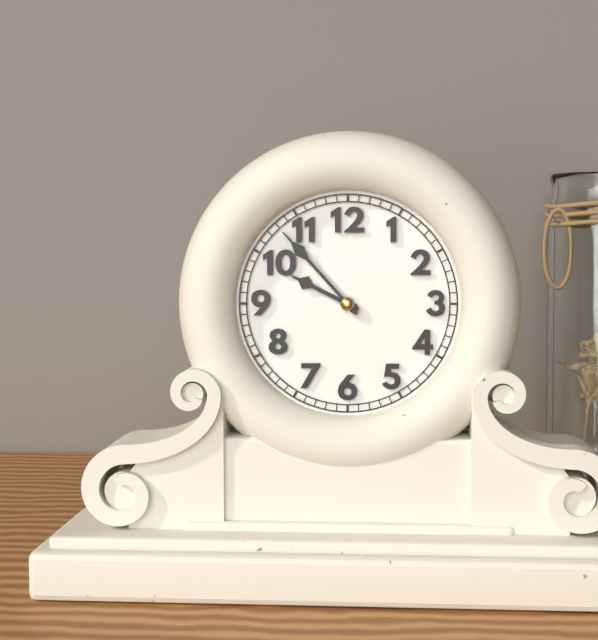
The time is **9:53**
